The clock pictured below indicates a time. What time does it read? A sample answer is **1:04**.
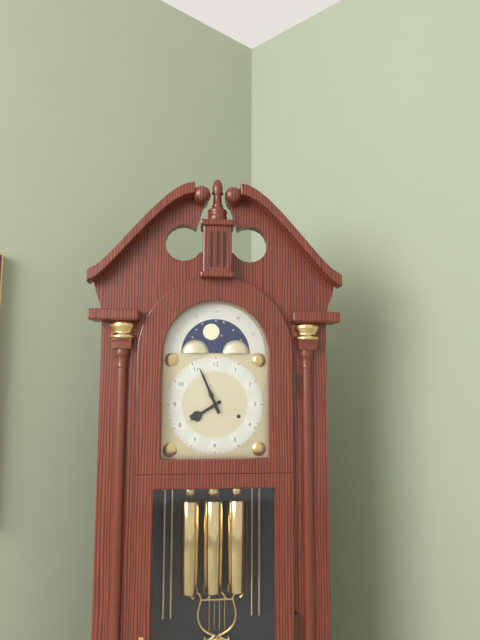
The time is **7:56**
